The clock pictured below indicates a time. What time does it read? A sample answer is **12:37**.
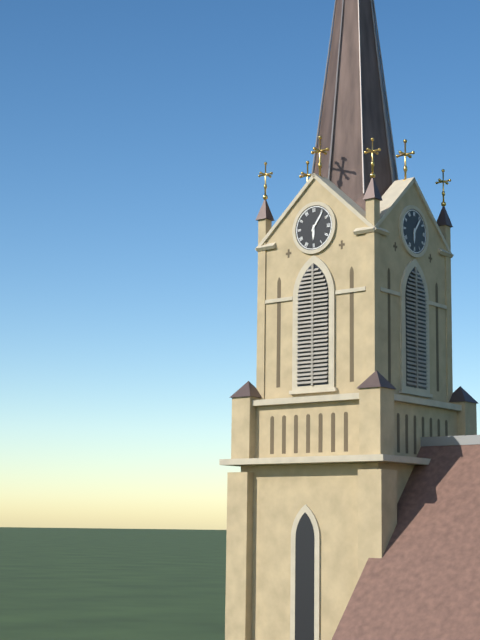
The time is **6:06**
